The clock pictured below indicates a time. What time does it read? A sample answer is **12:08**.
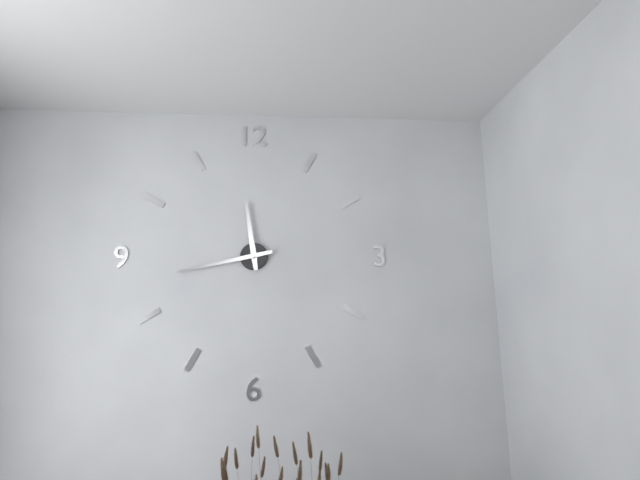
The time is **11:43**
